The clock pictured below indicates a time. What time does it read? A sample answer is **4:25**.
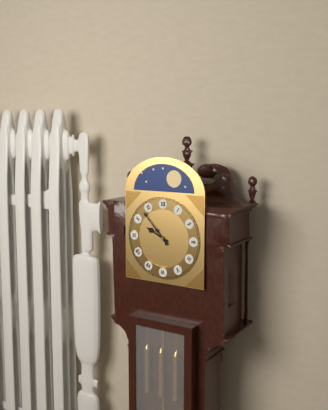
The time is **9:53**
